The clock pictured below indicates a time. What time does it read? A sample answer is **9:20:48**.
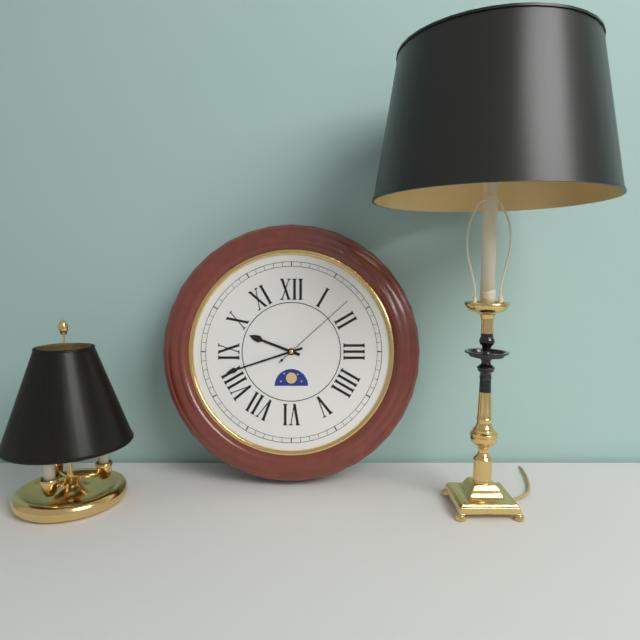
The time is **9:42:08**
